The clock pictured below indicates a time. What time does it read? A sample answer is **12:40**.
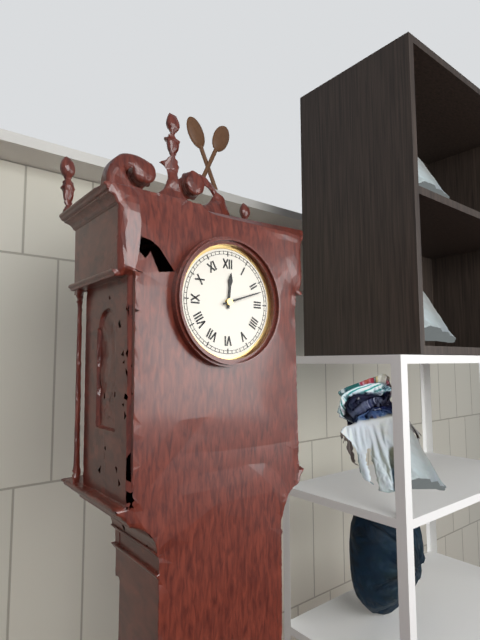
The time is **12:12**
